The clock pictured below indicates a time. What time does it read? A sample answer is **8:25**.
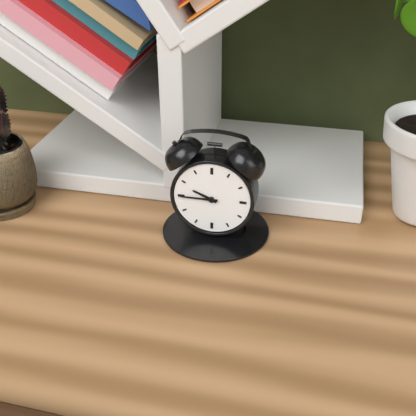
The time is **9:45**
